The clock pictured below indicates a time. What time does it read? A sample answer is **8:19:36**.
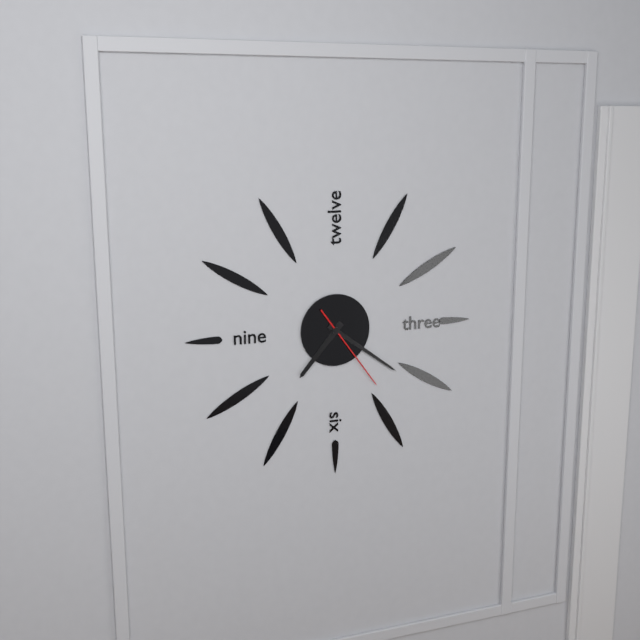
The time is **7:21:24**
